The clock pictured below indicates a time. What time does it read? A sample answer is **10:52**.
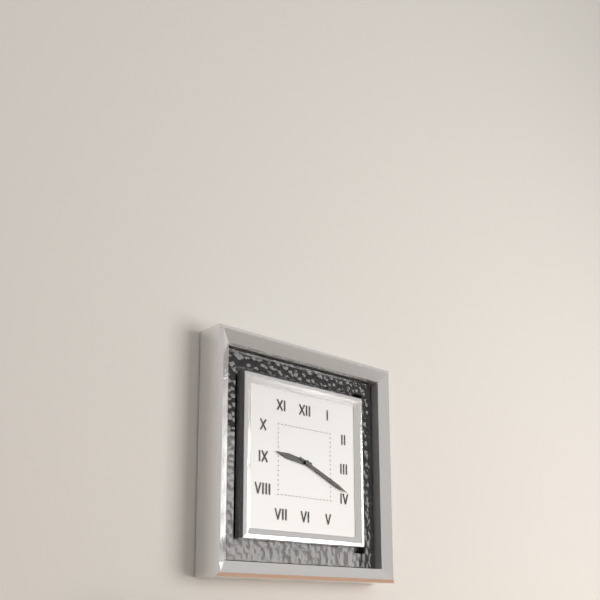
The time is **9:19**
